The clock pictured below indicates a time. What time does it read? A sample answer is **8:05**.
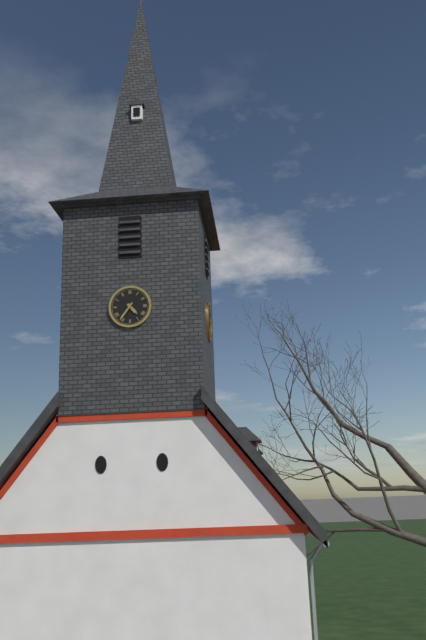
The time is **4:36**
